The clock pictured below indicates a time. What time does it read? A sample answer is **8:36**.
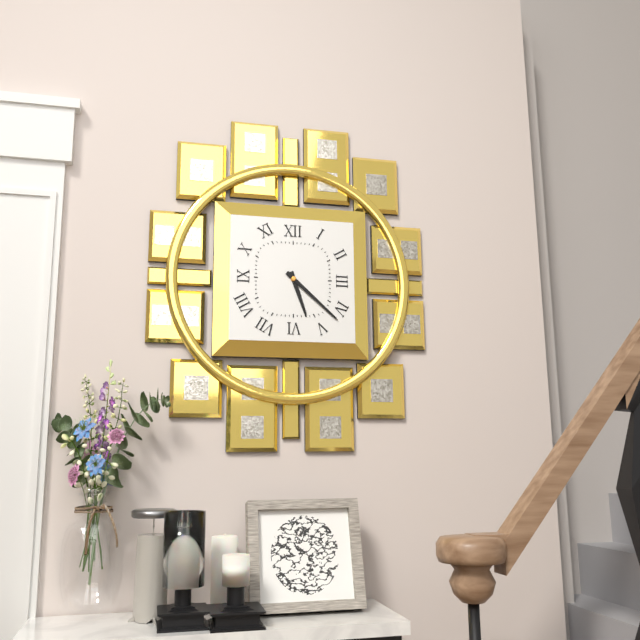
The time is **5:22**
